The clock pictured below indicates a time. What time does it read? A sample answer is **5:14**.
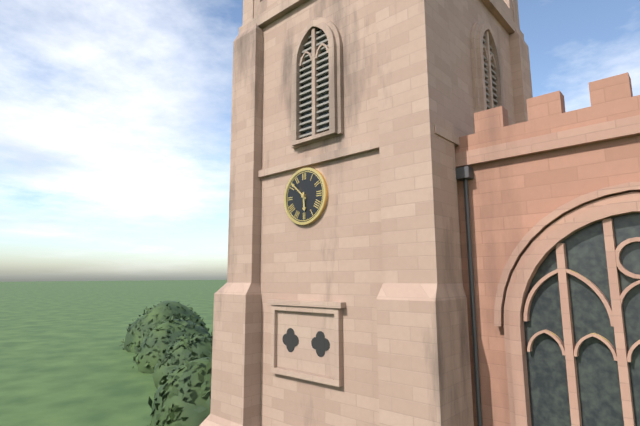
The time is **5:52**
